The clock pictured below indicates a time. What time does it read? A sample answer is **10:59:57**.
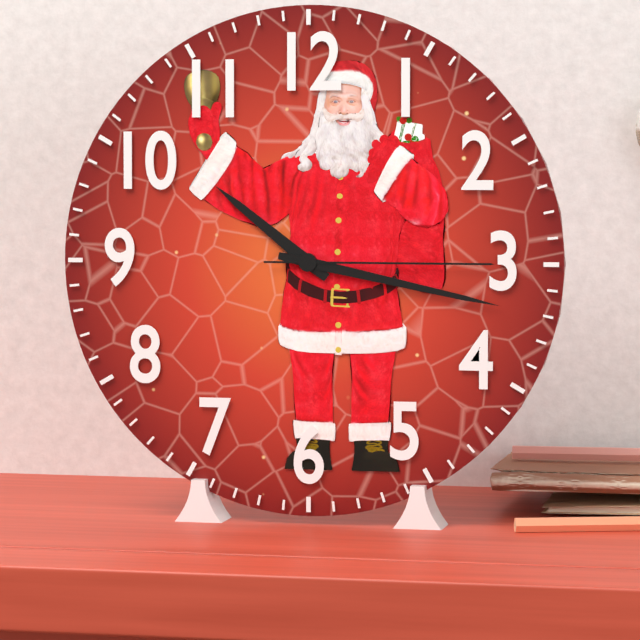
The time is **10:17:15**
